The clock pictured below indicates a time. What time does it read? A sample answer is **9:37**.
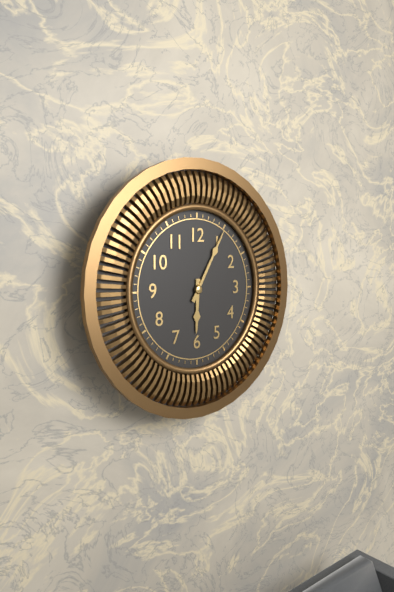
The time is **6:05**
